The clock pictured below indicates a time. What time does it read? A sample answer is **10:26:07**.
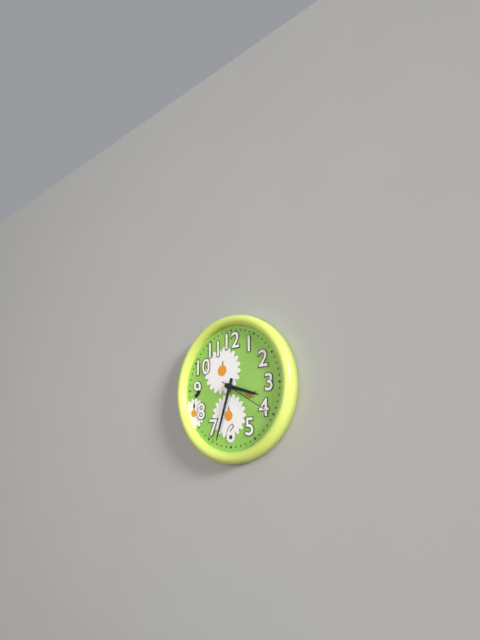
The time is **3:33:20**
